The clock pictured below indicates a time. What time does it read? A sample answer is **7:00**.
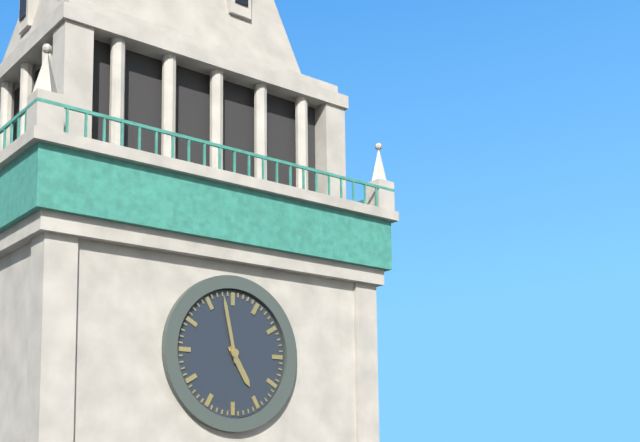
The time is **4:58**
